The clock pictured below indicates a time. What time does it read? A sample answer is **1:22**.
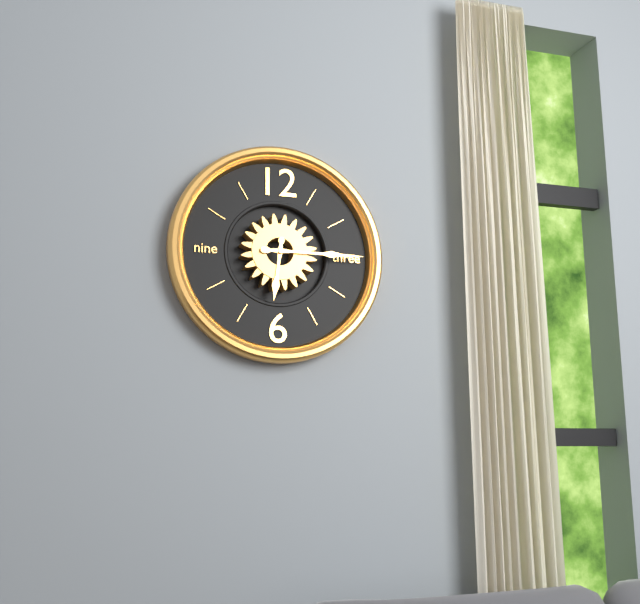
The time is **6:15**
